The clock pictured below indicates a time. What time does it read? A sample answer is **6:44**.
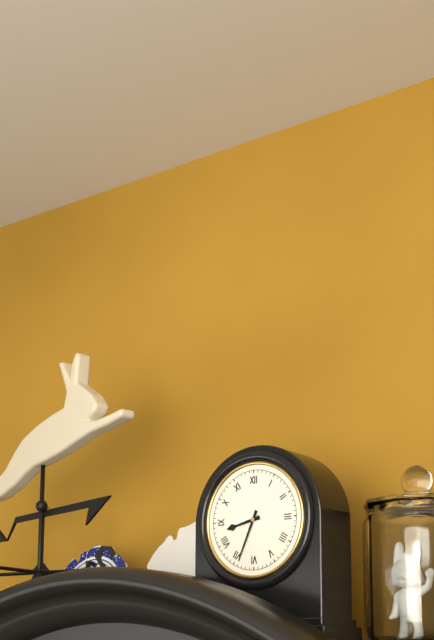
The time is **8:34**
